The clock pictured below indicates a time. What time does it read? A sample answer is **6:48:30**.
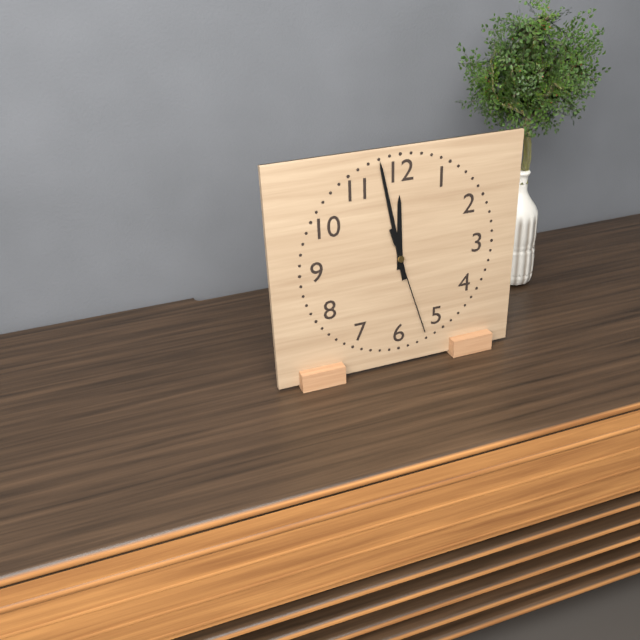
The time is **11:58:27**
